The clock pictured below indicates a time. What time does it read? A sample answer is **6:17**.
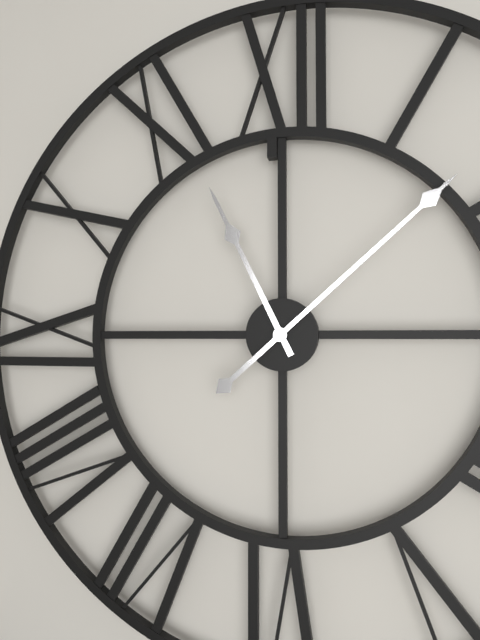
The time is **11:08**
